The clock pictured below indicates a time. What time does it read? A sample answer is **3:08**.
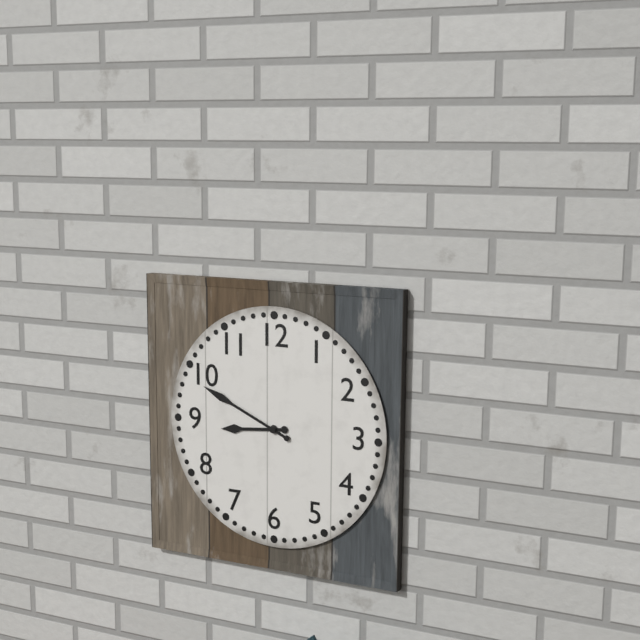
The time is **8:49**
